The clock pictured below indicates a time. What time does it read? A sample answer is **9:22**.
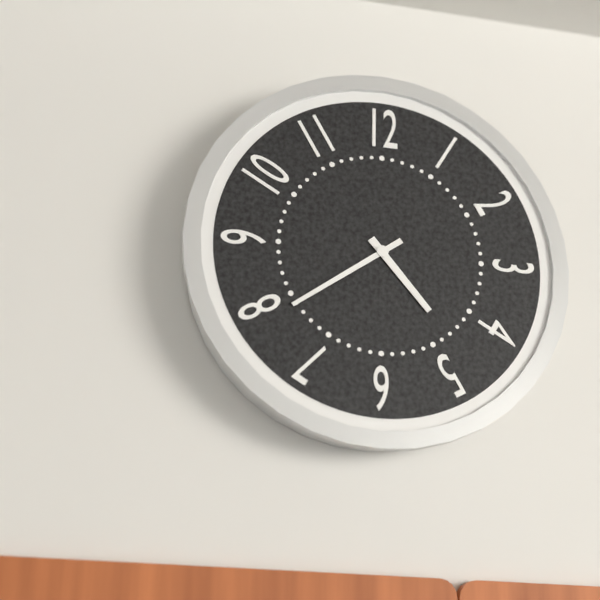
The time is **4:39**
